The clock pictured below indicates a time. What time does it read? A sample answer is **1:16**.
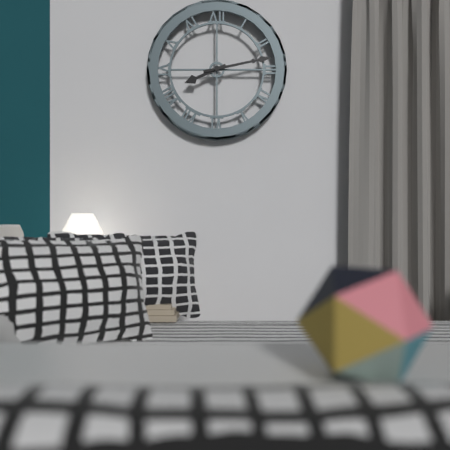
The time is **8:13**
